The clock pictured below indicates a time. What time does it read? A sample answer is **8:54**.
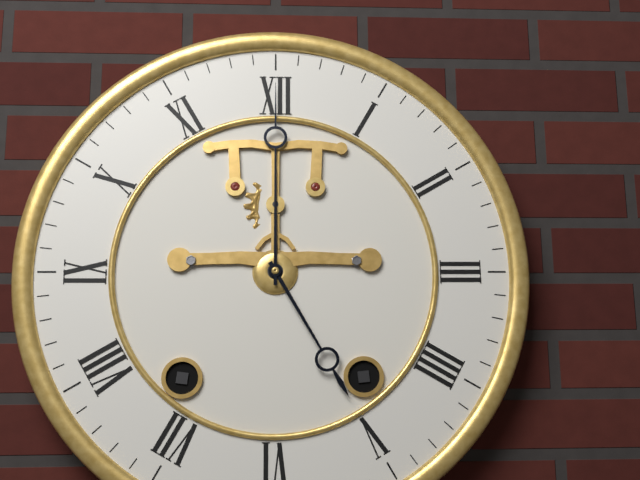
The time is **5:00**
